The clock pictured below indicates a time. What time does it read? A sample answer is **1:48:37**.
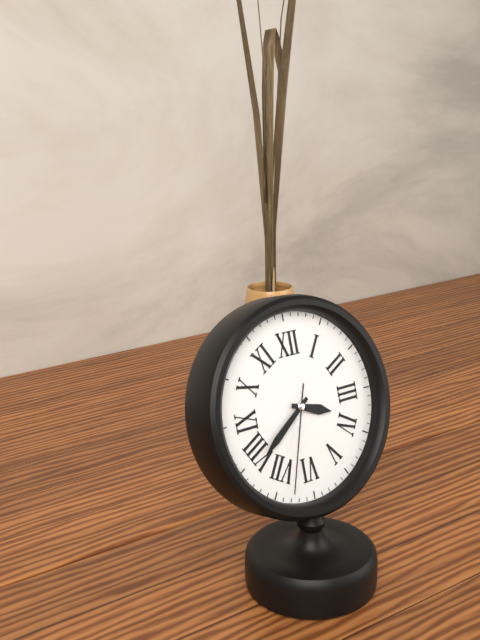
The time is **3:39:33**
